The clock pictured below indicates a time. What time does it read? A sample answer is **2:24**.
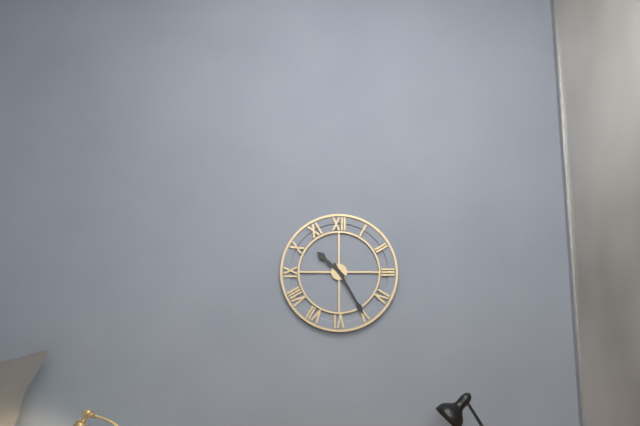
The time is **10:25**
